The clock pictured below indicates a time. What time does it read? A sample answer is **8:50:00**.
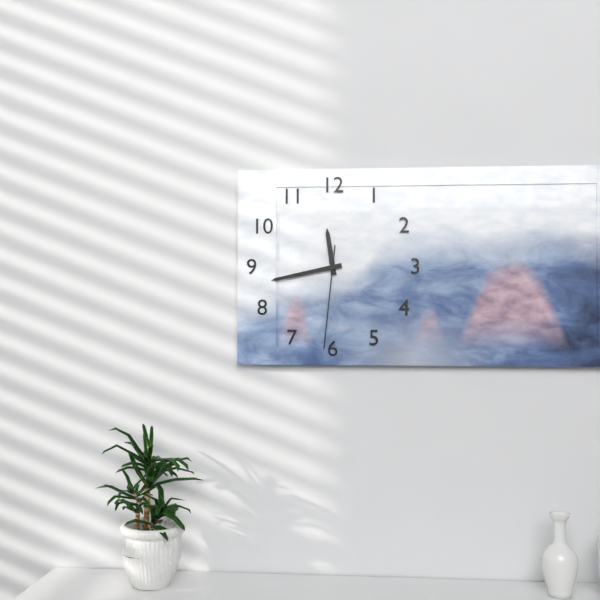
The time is **11:43:31**
